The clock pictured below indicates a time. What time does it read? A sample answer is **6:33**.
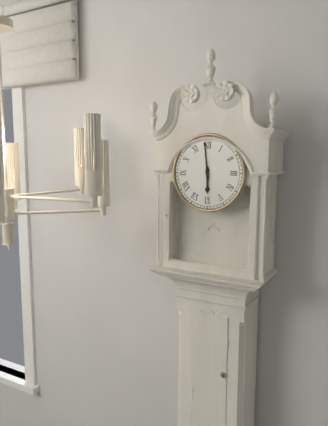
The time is **5:59**
